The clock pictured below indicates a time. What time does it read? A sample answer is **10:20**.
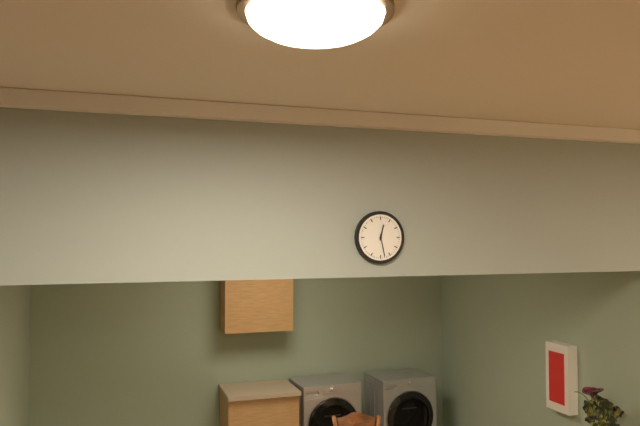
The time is **12:28**
